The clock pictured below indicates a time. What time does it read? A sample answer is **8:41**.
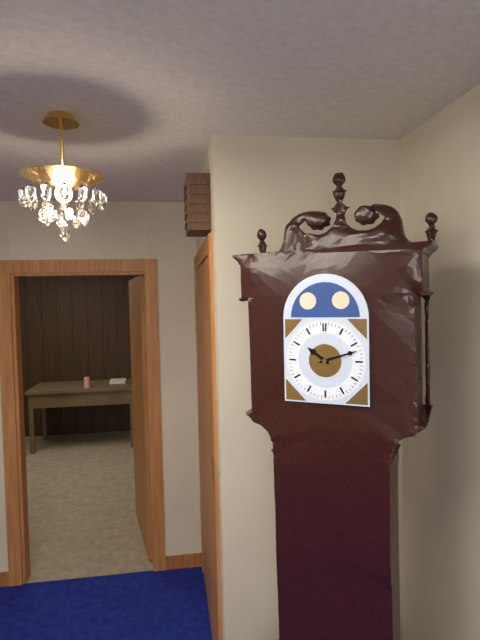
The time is **10:12**
